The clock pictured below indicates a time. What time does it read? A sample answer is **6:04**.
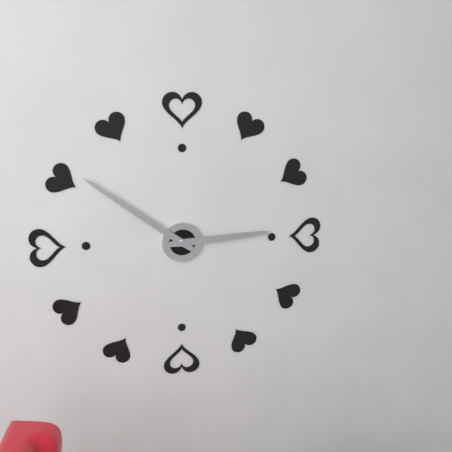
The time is **2:51**
